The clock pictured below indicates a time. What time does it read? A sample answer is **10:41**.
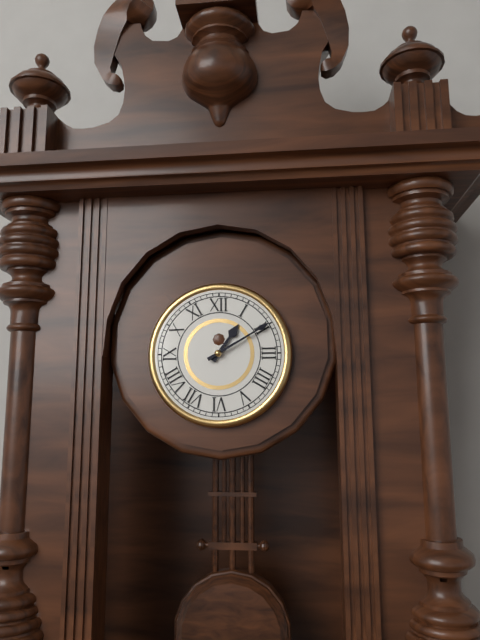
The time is **1:10**
